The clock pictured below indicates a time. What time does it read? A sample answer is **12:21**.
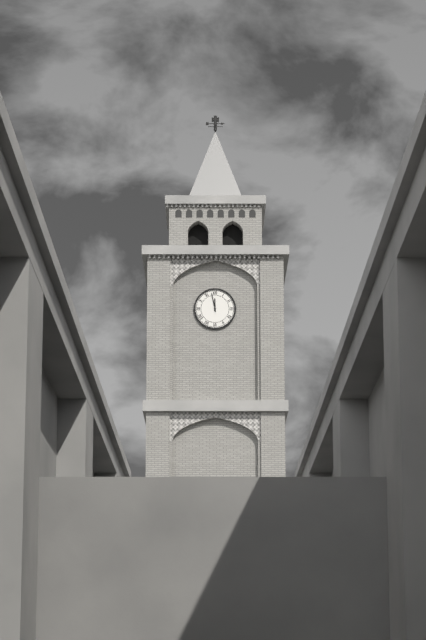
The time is **11:58**
